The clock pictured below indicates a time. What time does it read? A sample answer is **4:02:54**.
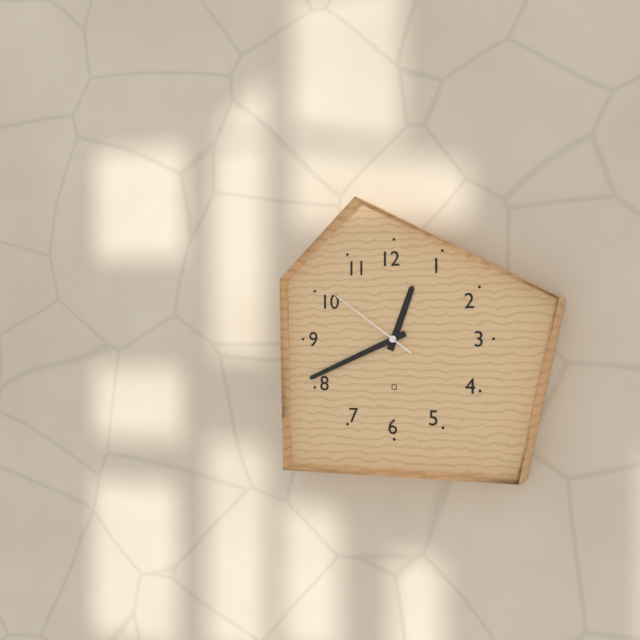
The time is **12:41:51**
